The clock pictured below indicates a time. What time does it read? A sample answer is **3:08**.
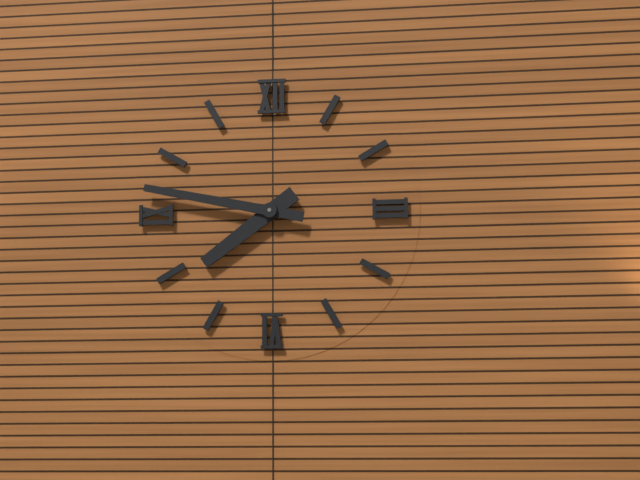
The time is **7:47**
